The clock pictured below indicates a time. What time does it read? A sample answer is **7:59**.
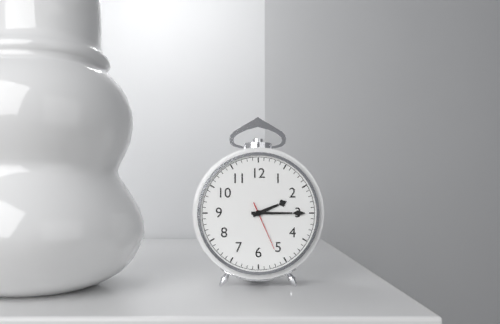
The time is **2:15**
